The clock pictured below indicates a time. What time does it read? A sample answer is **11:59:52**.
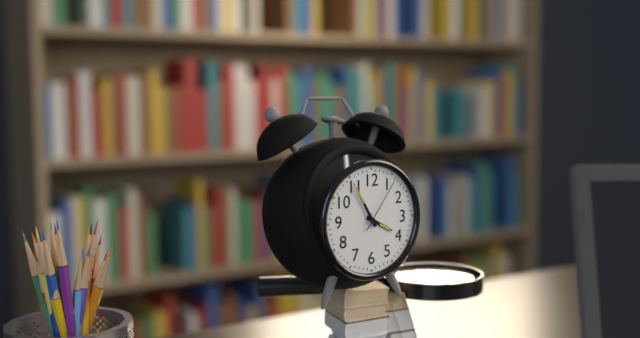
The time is **3:55:06**
